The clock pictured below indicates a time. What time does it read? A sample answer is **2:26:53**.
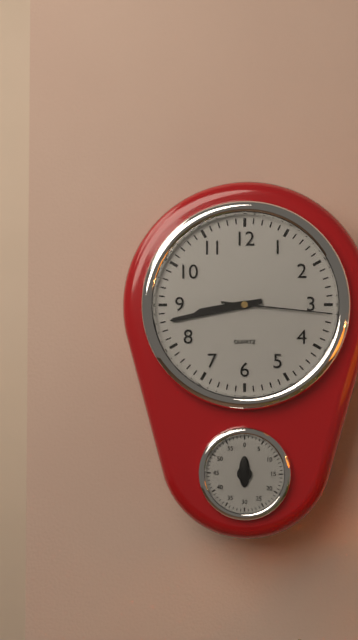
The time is **8:43:16**
